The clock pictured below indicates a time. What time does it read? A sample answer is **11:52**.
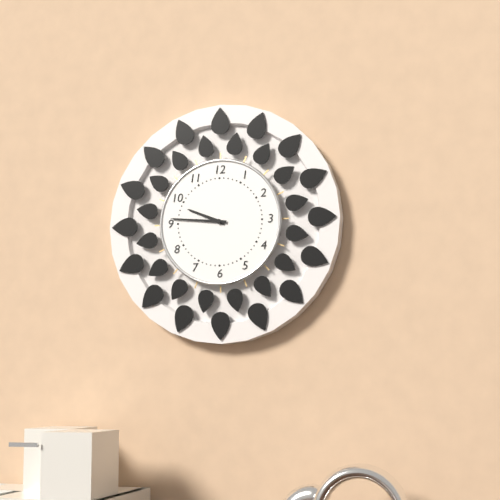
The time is **9:46**
